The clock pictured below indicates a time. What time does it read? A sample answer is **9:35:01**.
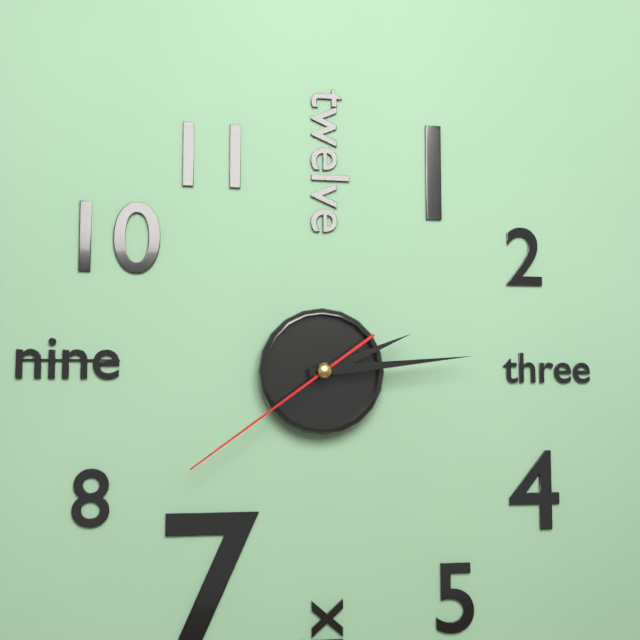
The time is **2:14:39**
